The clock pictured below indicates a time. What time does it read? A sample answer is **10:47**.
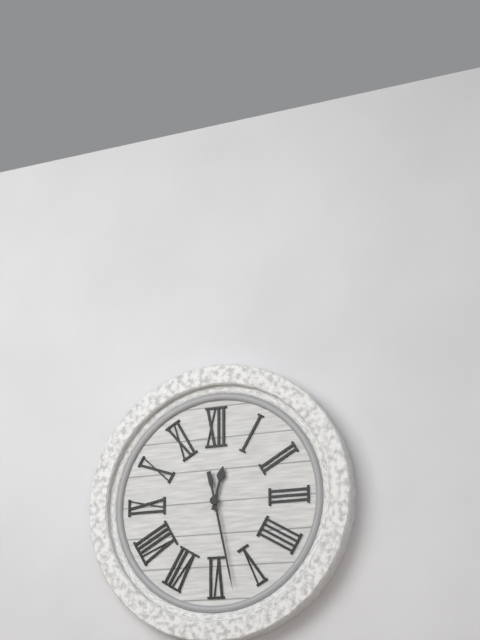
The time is **12:28**
